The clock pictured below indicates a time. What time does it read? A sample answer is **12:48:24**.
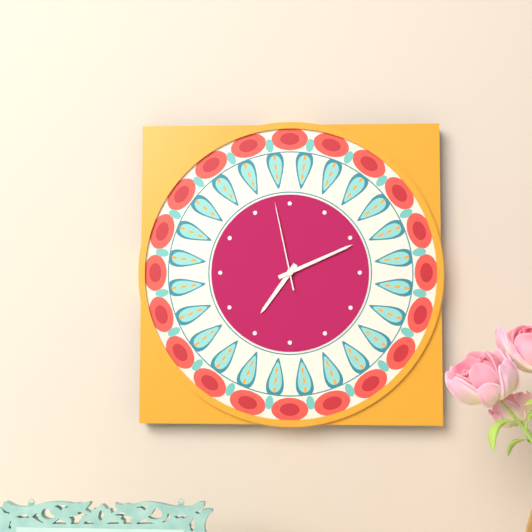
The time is **7:11:58**
